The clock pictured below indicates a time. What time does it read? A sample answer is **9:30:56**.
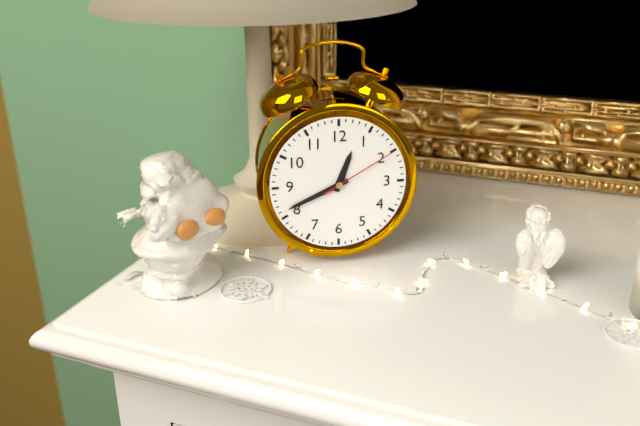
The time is **12:41:10**
